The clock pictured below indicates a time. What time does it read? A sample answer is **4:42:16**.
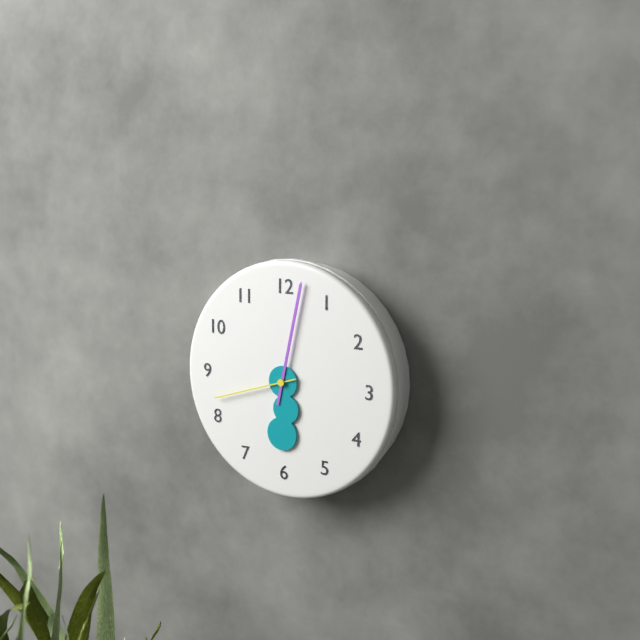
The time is **6:02:42**
